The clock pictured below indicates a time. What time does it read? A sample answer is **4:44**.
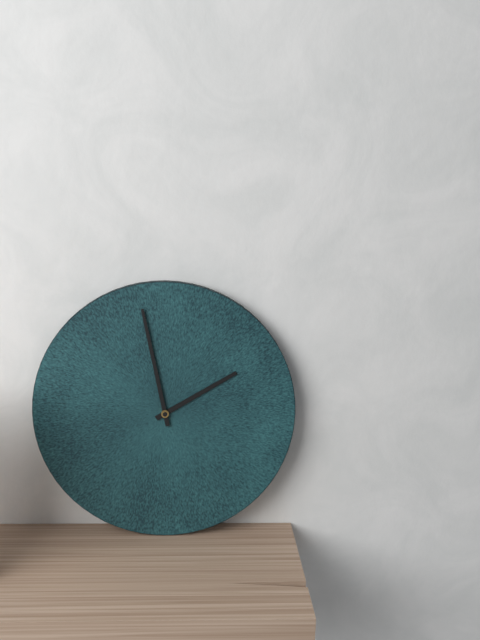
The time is **1:58**
